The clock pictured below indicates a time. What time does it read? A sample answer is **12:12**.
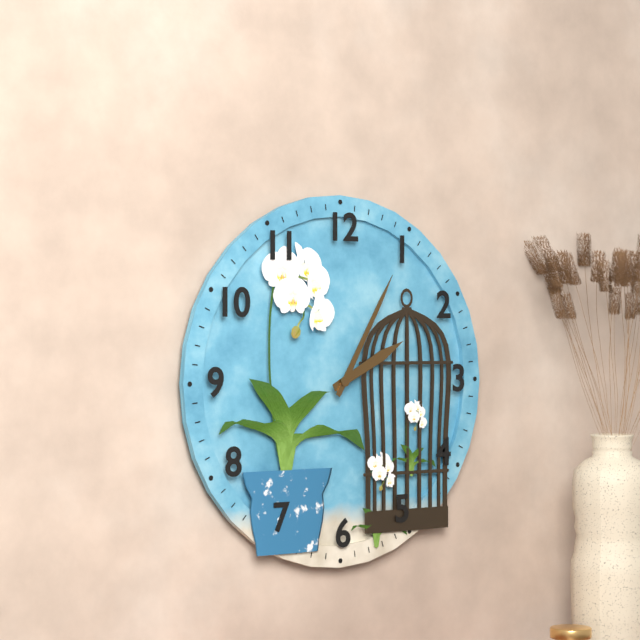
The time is **2:05**
